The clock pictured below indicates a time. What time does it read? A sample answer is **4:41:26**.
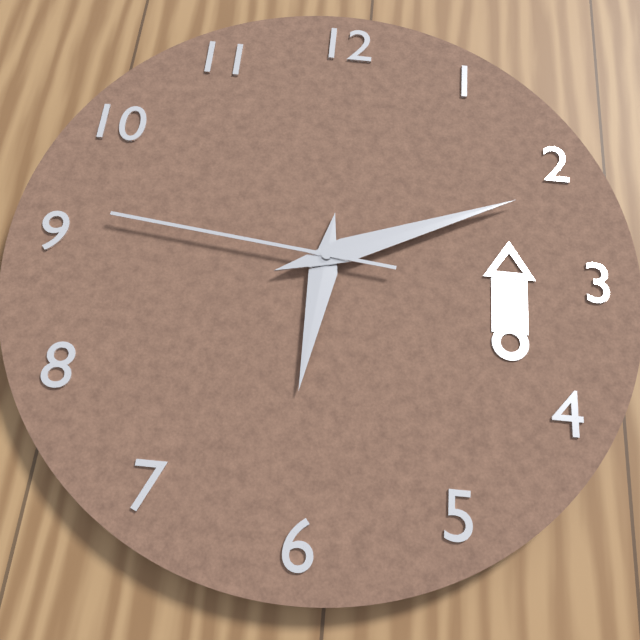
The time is **6:11:46**
